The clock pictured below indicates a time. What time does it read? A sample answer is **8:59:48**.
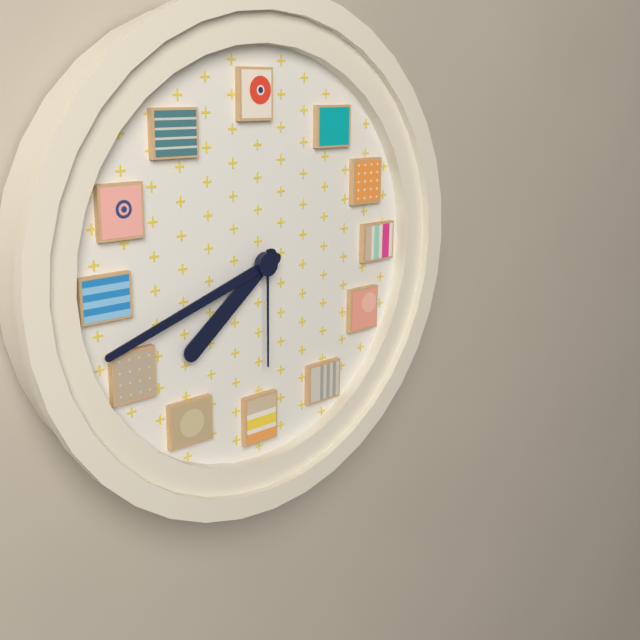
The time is **7:42:30**
